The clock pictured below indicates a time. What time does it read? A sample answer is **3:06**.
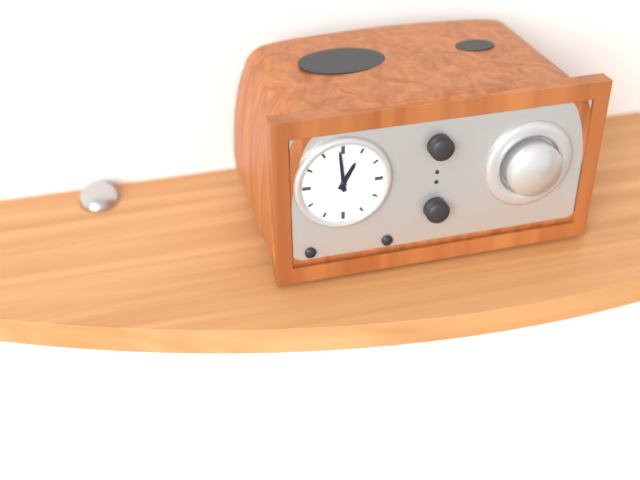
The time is **12:59**
